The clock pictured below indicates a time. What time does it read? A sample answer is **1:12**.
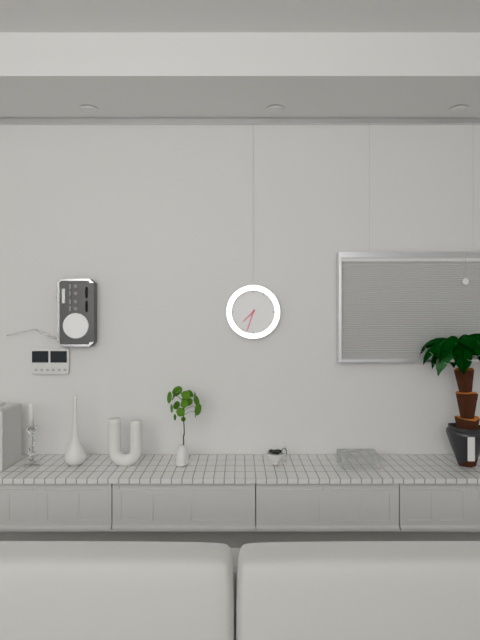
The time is **7:33**
